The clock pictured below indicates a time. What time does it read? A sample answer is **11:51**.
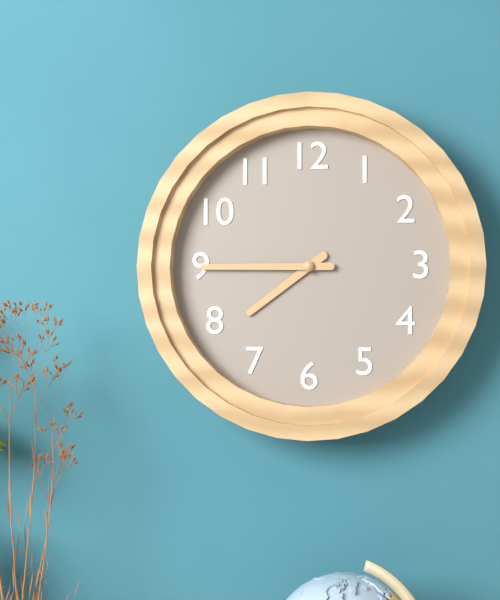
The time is **7:45**
